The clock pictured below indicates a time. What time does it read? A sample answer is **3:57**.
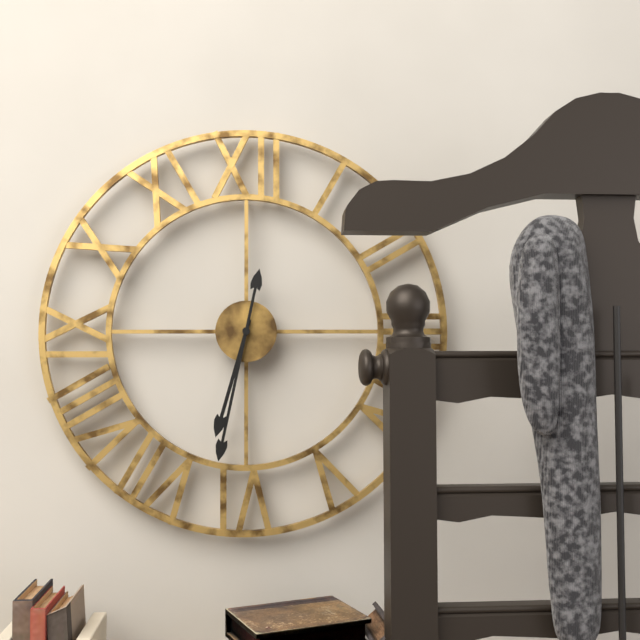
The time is **6:32**
